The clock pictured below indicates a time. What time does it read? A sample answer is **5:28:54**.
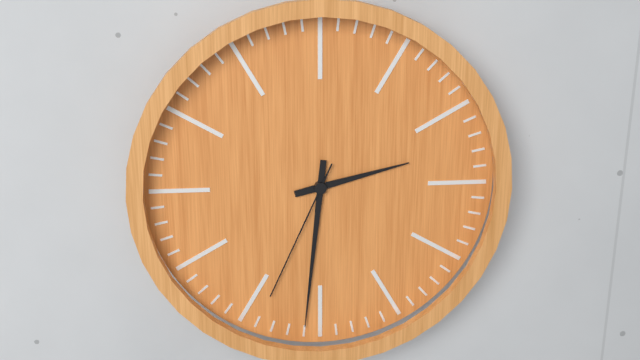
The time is **2:31:34**
